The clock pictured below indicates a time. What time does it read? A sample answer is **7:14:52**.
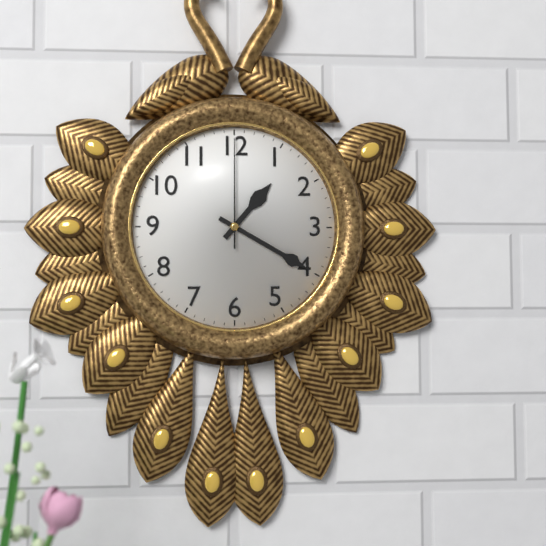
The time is **1:20:00**
